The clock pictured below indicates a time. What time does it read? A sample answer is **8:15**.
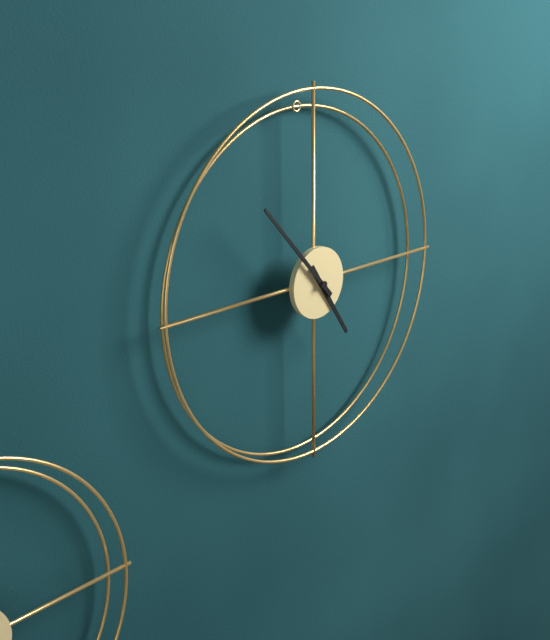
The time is **4:53**
